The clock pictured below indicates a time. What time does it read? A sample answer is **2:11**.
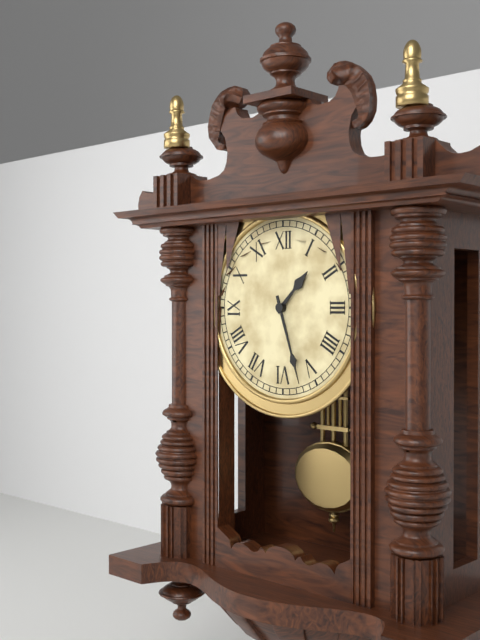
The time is **1:27**
